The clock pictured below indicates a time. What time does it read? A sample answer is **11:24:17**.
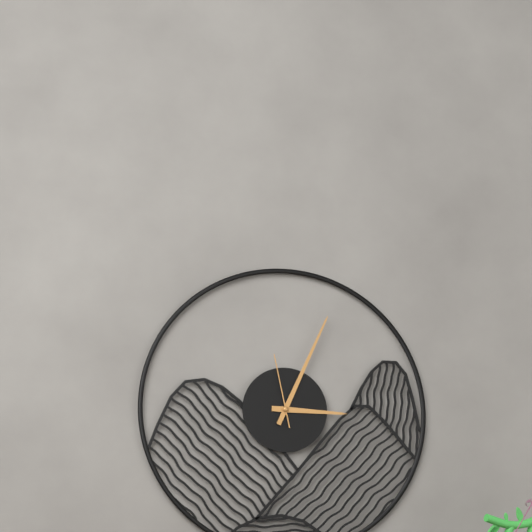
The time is **3:04:58**
